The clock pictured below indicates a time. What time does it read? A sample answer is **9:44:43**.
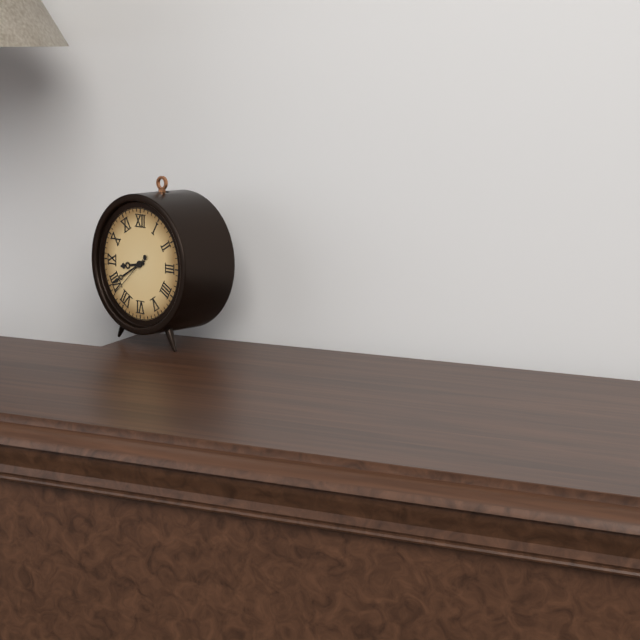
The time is **8:40:38**
